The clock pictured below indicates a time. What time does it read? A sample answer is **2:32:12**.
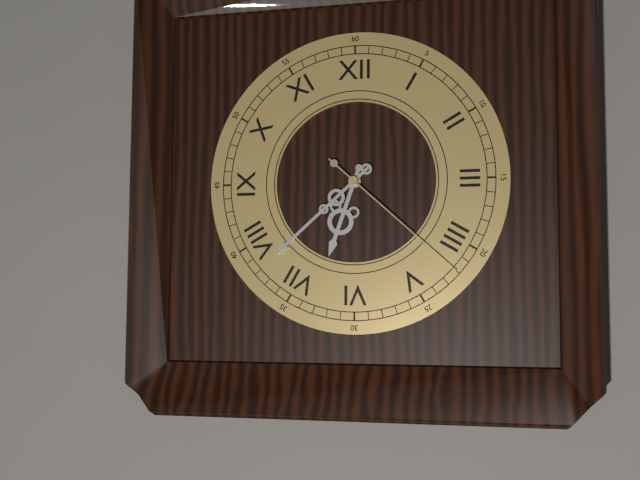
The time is **6:38:22**
